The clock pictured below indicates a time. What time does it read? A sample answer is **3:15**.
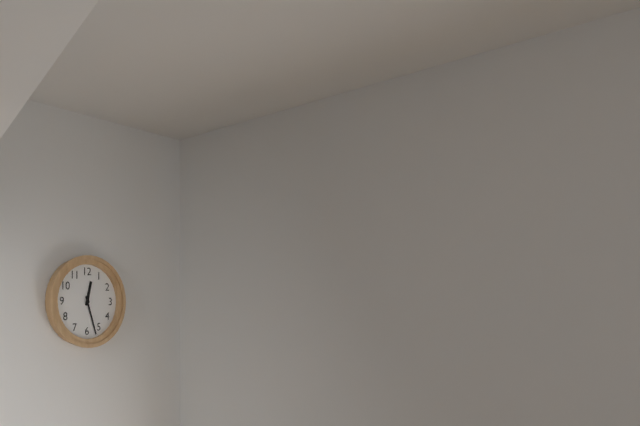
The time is **12:27**
